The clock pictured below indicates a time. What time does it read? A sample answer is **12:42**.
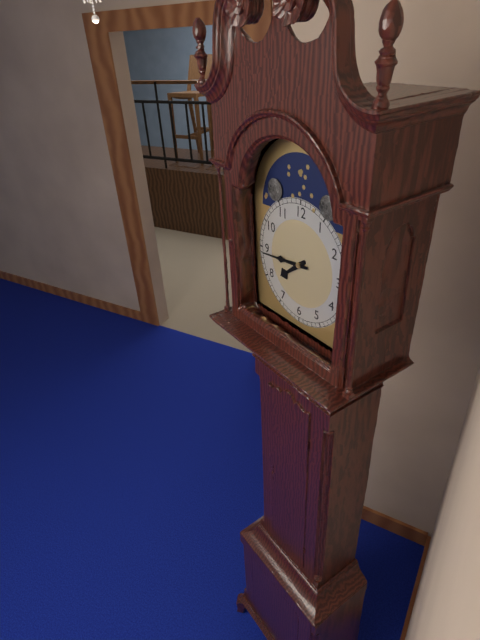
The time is **7:44**
